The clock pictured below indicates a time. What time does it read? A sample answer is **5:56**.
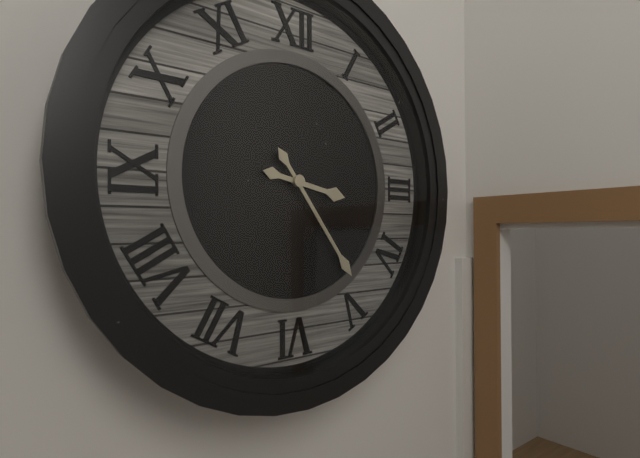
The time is **3:24**
